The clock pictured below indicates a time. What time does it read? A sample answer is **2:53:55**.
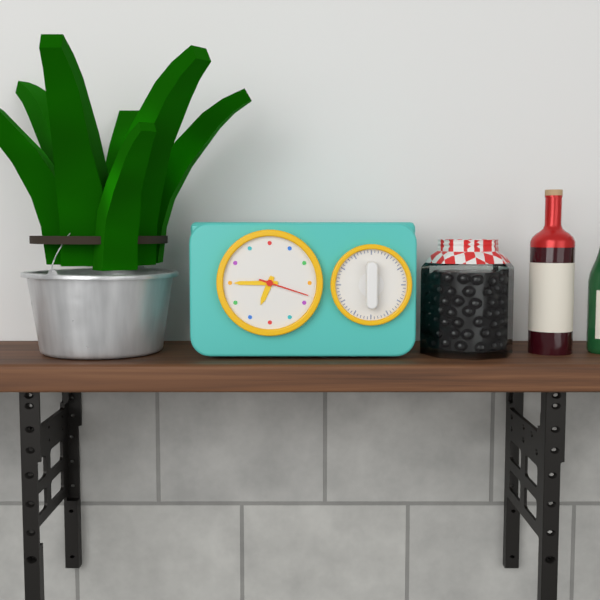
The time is **6:45:18**
